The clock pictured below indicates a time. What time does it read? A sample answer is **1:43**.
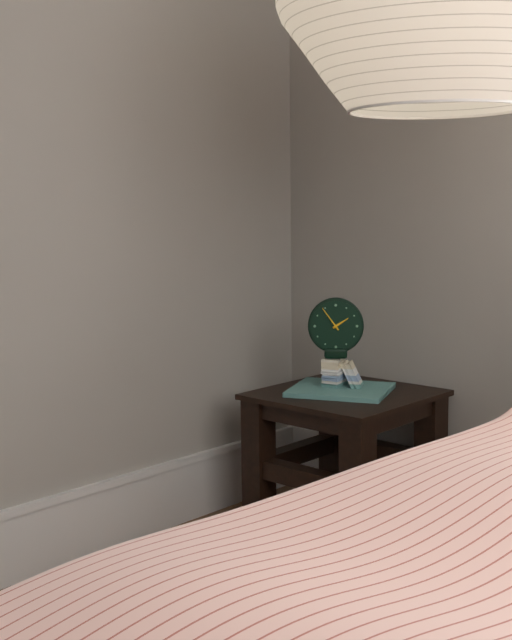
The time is **1:54**
